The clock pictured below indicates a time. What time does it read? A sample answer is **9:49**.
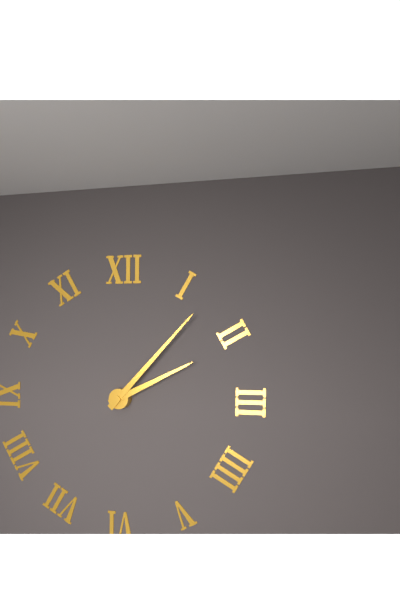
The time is **2:07**
